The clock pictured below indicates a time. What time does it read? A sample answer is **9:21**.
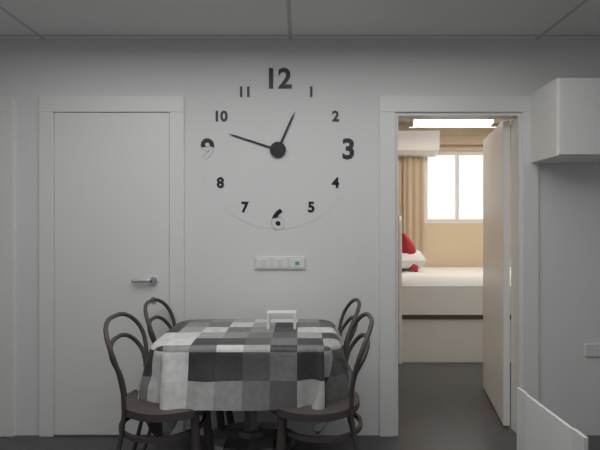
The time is **12:48**
